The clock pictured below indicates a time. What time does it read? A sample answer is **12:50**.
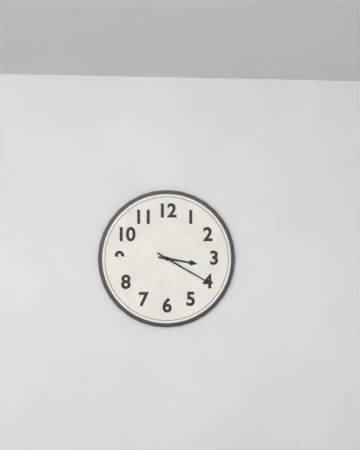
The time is **3:20**
